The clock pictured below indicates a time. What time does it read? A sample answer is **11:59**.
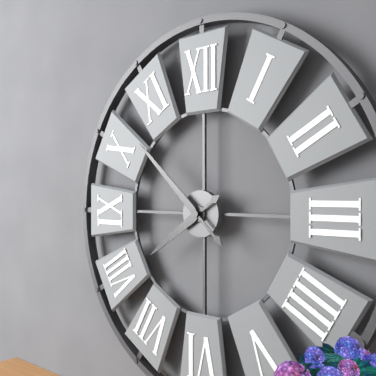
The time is **7:52**
